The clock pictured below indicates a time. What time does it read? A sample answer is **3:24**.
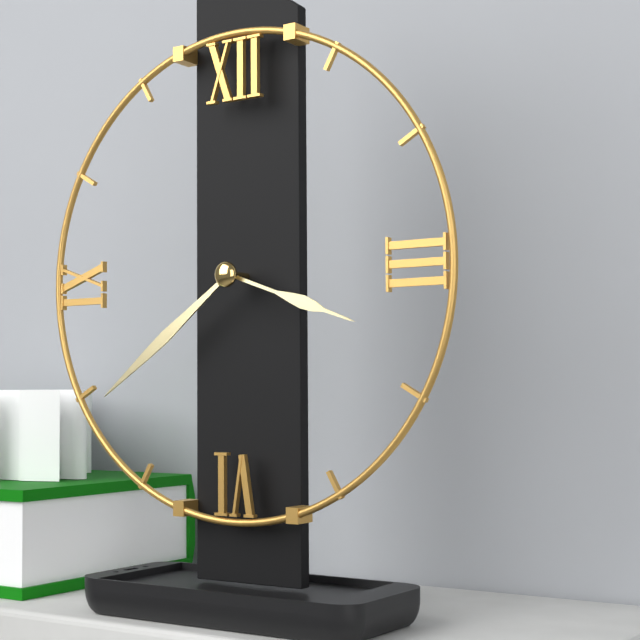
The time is **3:39**
